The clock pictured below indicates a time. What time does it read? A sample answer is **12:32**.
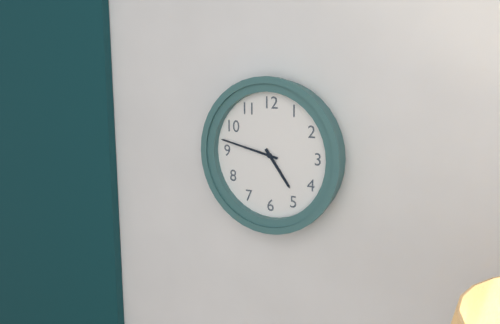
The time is **4:47**
